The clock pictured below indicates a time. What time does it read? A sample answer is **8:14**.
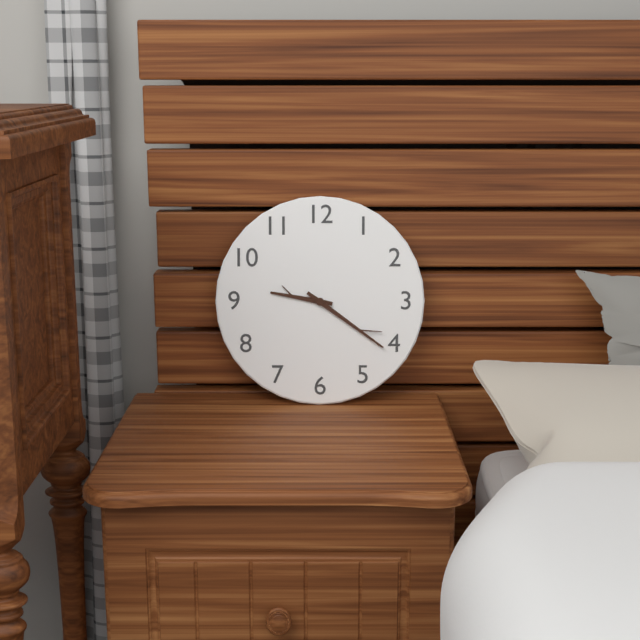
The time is **9:21**
